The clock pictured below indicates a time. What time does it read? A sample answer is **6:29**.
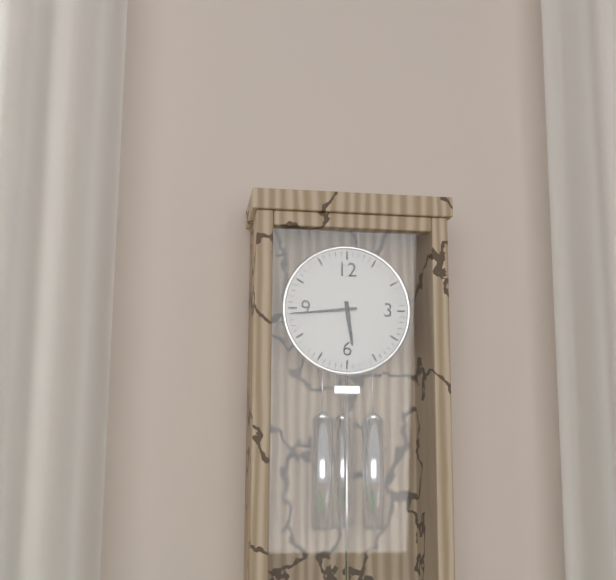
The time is **5:44**
